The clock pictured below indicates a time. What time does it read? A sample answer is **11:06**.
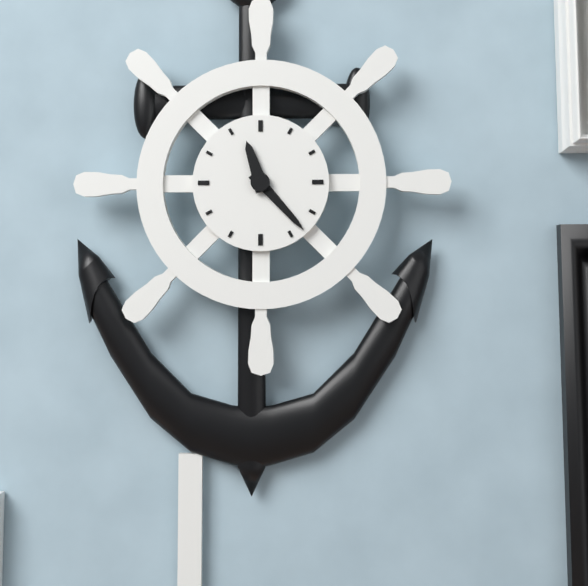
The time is **11:23**
